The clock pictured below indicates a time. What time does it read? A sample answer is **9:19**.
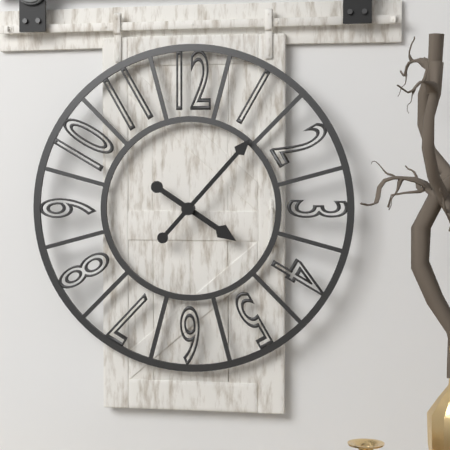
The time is **4:07**
